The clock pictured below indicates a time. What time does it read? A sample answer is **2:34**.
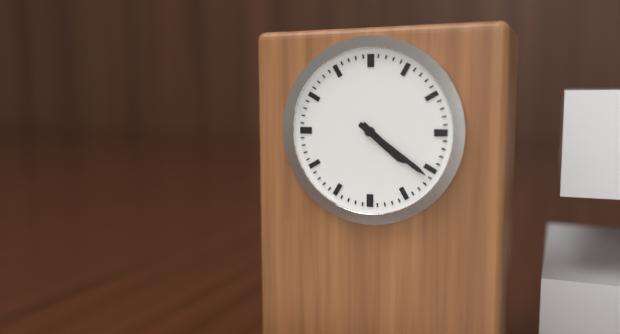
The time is **4:21**
